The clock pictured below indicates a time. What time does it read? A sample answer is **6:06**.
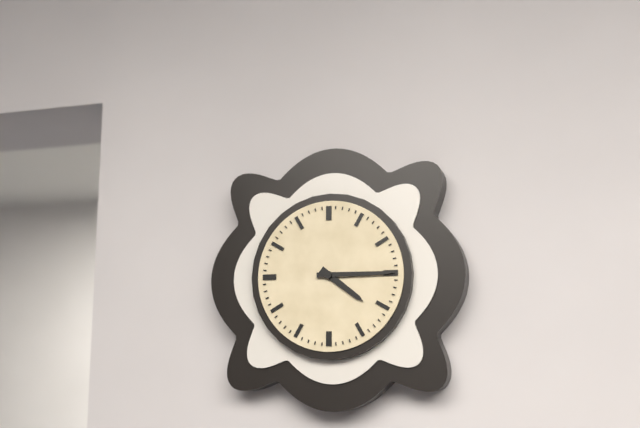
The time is **4:15**
